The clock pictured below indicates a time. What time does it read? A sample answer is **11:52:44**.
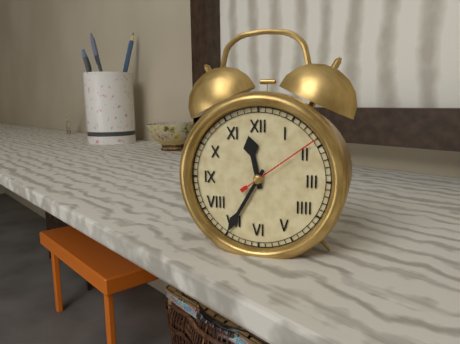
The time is **11:35:09**
